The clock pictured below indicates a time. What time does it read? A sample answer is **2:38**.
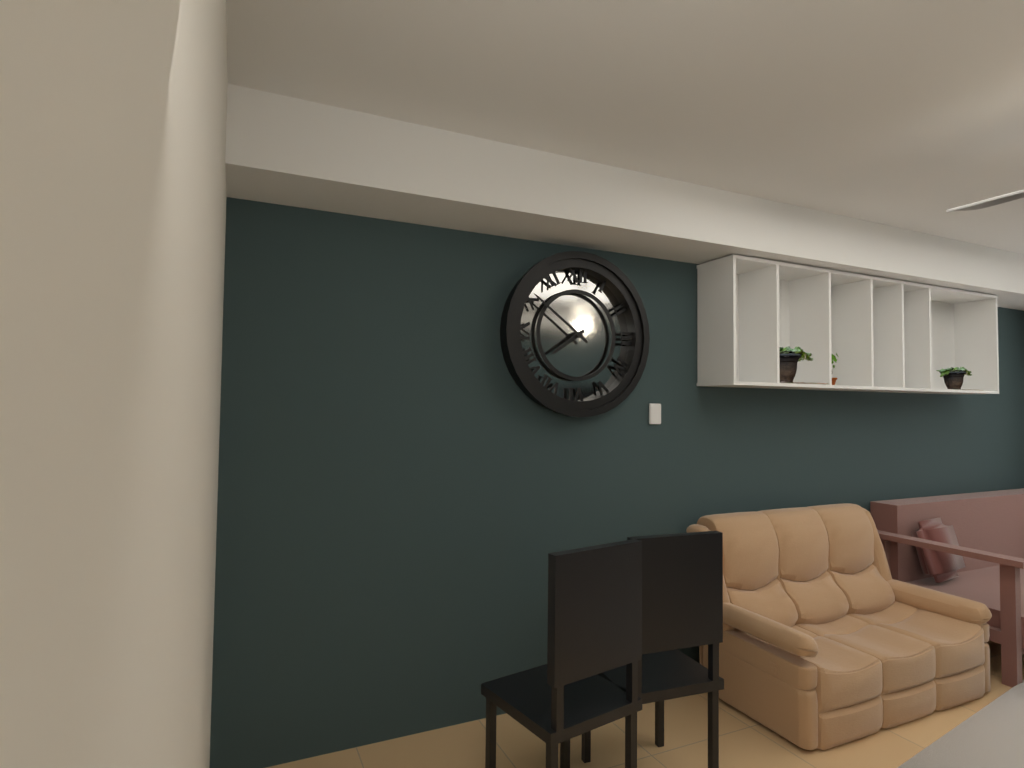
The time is **7:51**
